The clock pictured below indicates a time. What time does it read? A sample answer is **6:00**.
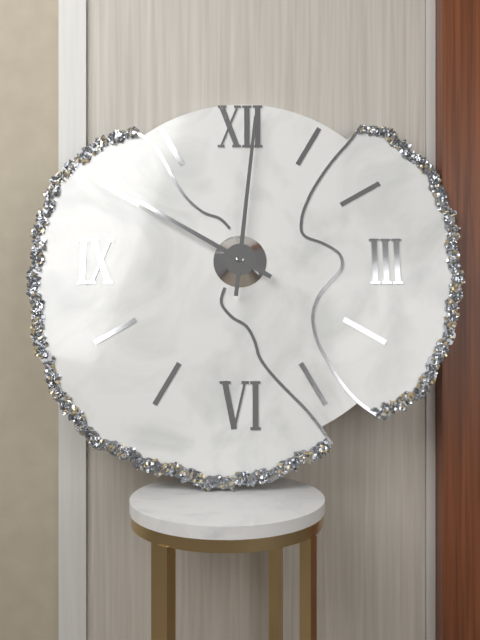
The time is **10:01**
